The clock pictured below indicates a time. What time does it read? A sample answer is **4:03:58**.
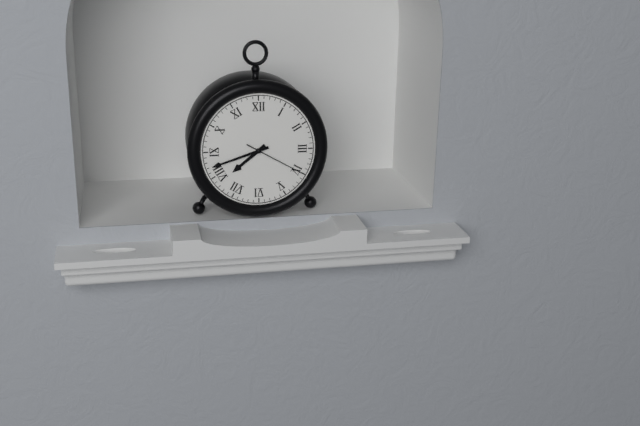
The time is **7:42:20**
